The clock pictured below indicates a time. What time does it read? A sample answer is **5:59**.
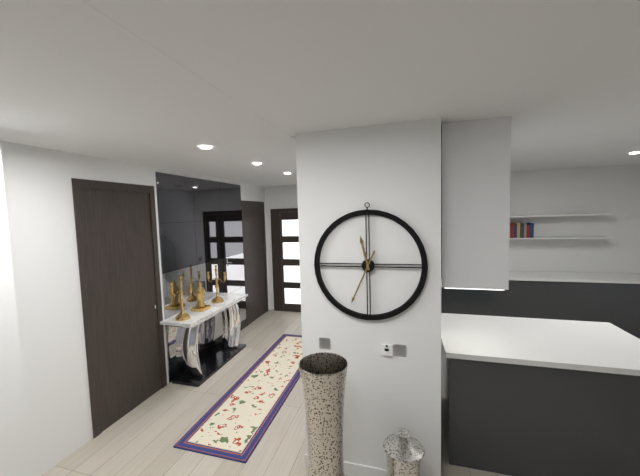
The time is **11:34**
